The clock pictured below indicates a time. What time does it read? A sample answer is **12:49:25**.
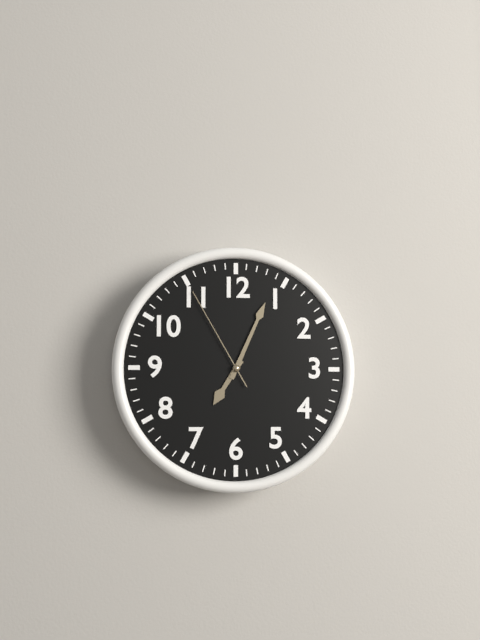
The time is **7:04:55**
